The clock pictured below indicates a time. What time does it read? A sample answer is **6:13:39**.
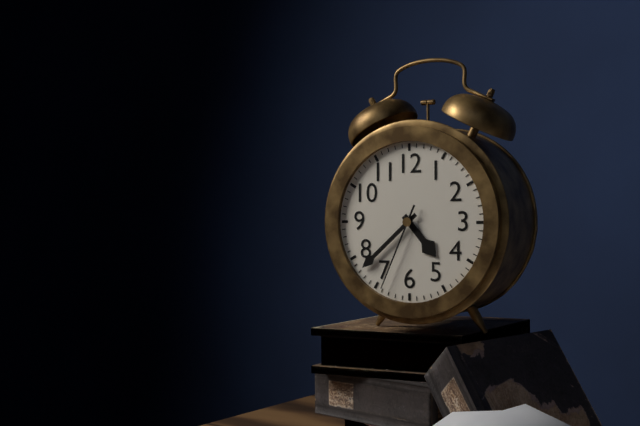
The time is **4:38:34**
